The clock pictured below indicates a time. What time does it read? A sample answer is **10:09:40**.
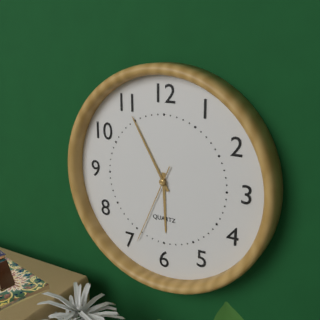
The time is **5:55:34**
